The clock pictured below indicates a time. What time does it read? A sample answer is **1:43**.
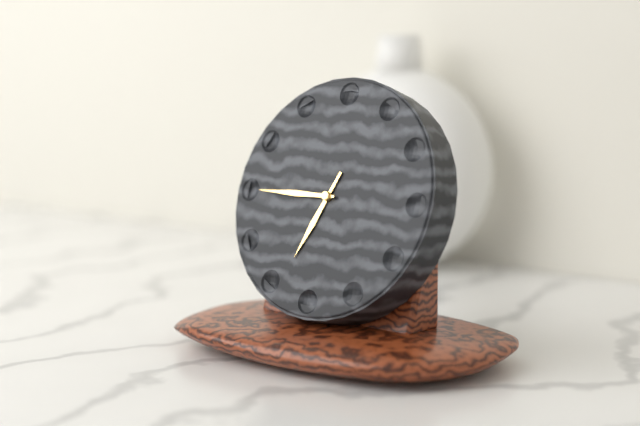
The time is **6:45**
